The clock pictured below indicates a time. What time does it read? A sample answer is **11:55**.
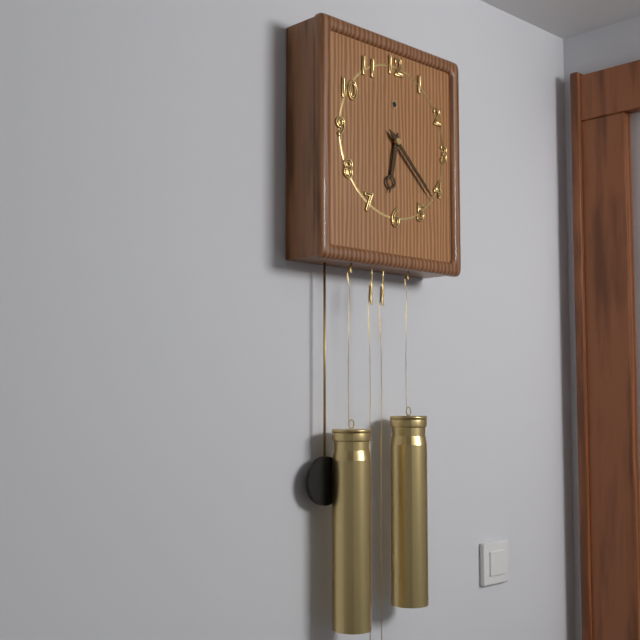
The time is **6:22**
